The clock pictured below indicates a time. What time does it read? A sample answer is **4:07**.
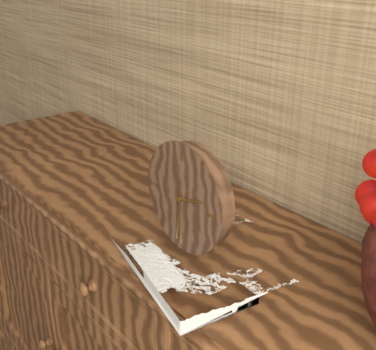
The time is **2:31**
